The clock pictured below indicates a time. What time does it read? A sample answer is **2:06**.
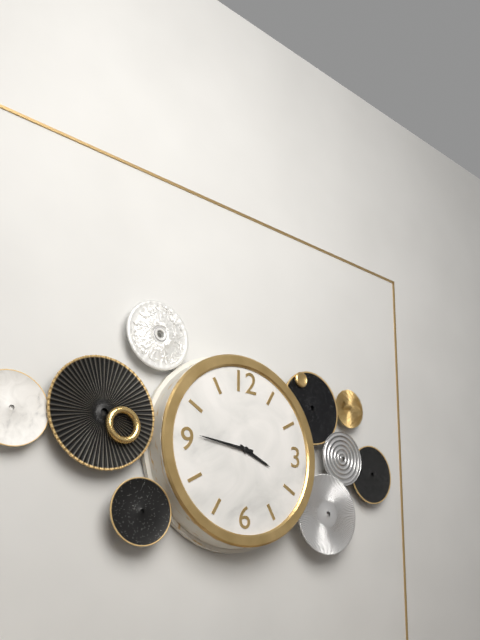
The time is **3:46**
